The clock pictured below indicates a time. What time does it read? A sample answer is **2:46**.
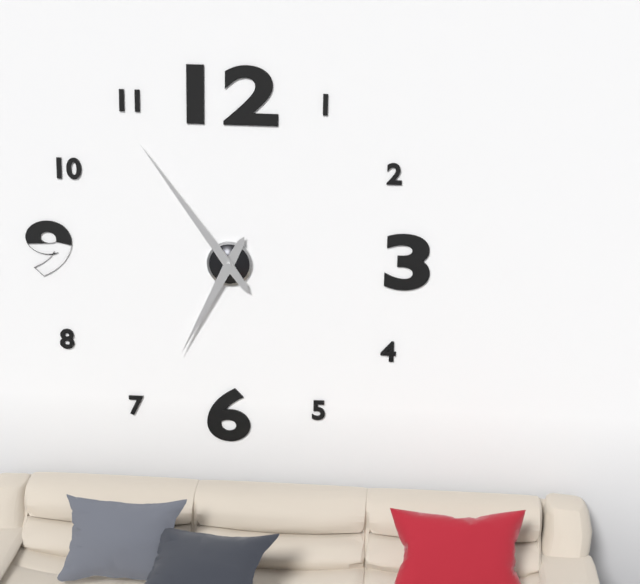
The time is **6:54**
